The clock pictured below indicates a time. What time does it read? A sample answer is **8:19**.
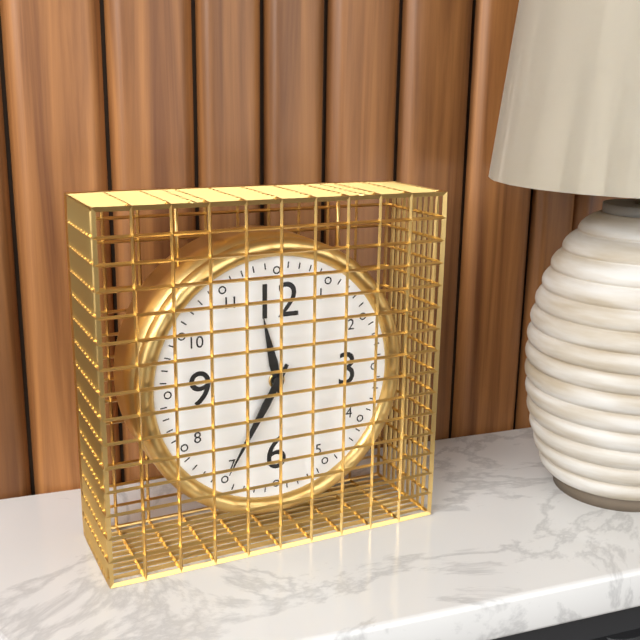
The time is **11:35**
